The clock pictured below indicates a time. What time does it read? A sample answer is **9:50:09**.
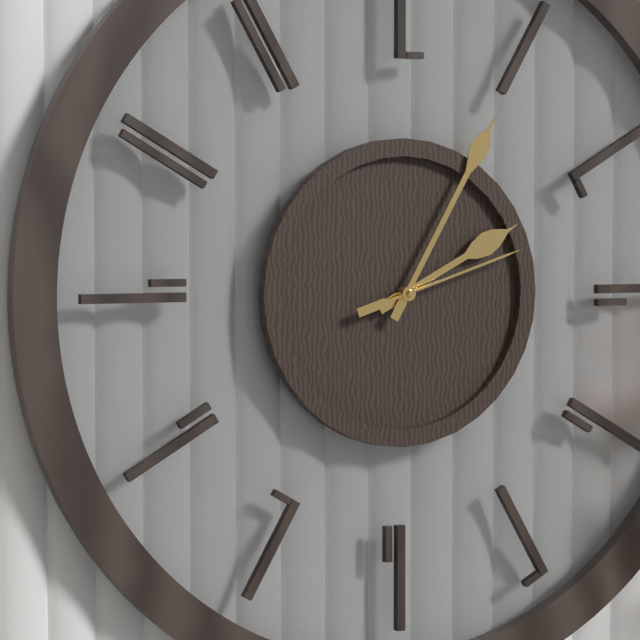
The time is **2:05:12**
